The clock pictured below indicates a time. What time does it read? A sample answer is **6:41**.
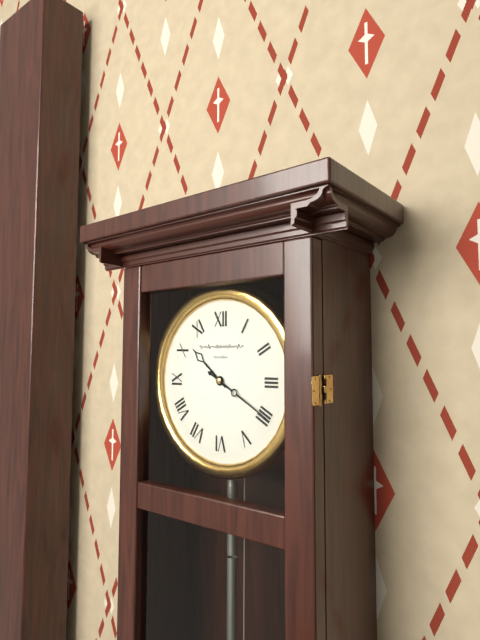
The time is **10:20**
